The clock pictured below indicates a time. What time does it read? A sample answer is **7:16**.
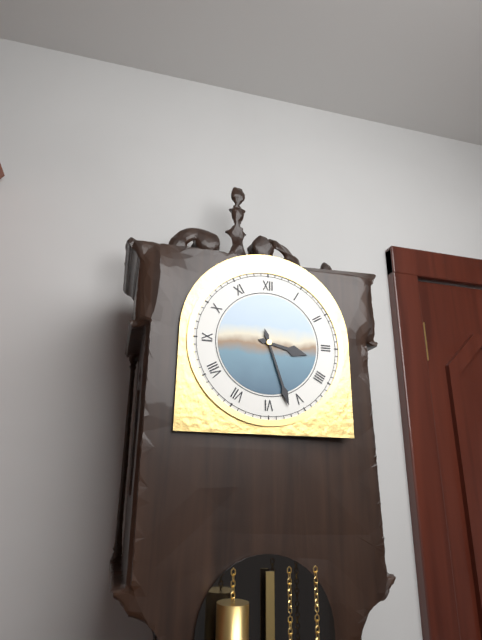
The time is **3:27**
